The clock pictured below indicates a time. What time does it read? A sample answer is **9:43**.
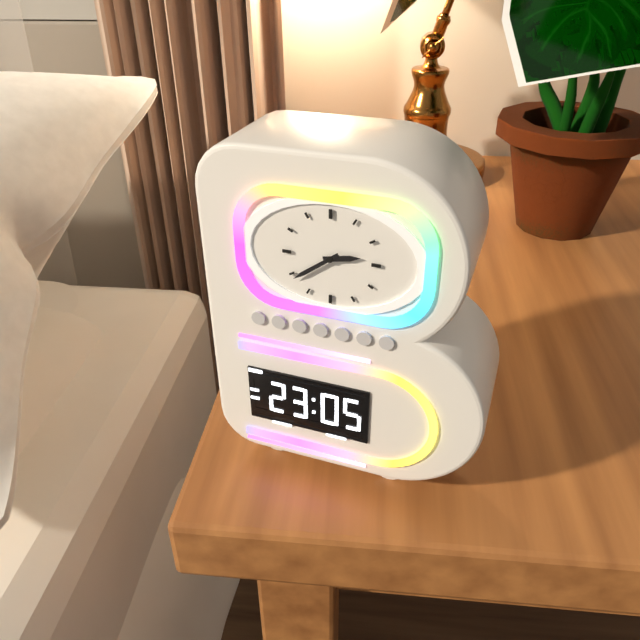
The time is **2:39**
